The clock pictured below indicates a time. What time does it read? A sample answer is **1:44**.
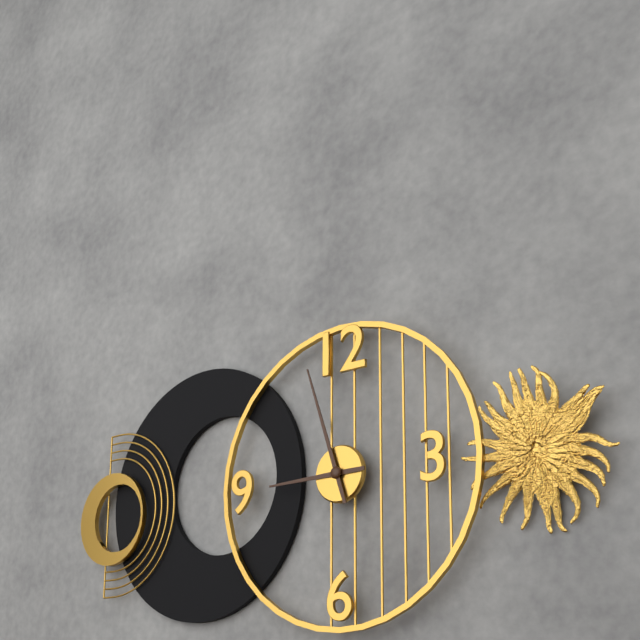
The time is **8:57**
